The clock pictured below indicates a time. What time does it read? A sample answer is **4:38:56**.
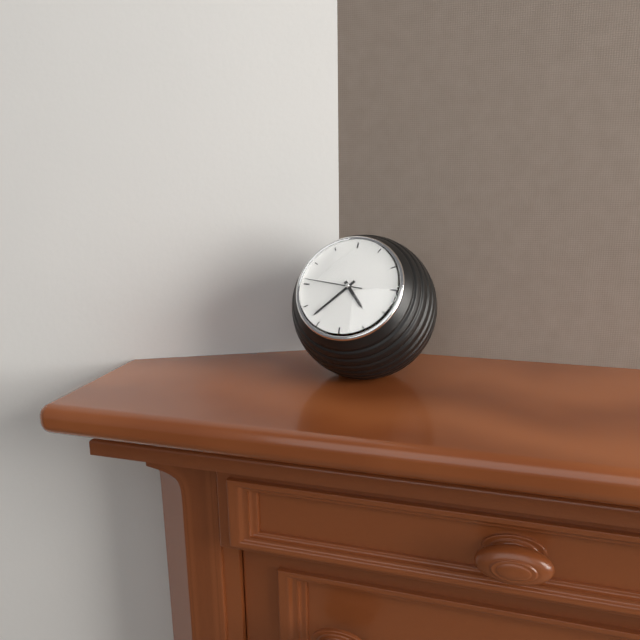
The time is **4:37:46**
